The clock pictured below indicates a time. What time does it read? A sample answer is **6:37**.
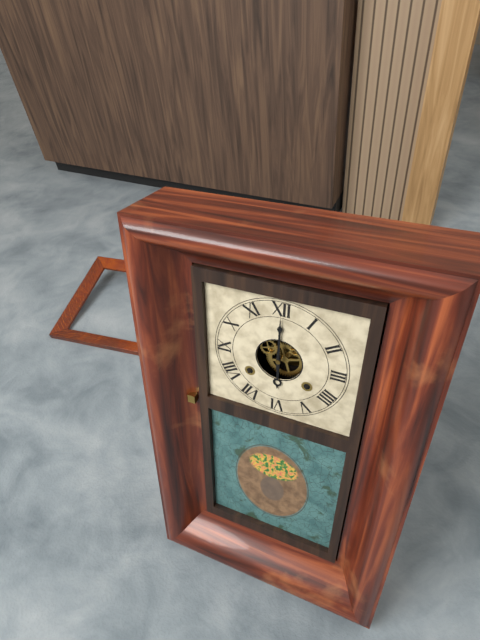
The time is **6:00**
